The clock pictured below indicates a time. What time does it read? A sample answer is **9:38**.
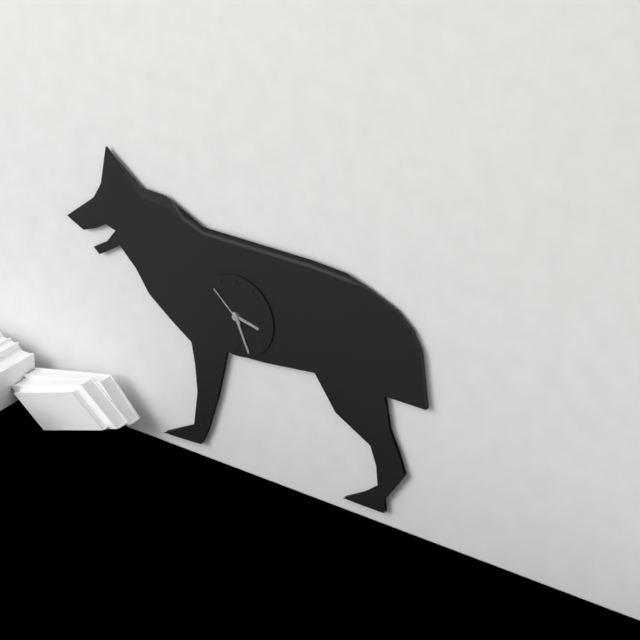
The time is **3:26**
